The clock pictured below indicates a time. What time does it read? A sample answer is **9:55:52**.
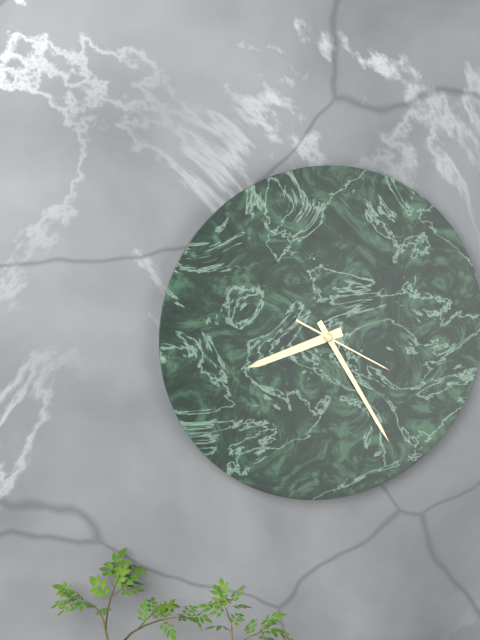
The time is **8:25:20**
